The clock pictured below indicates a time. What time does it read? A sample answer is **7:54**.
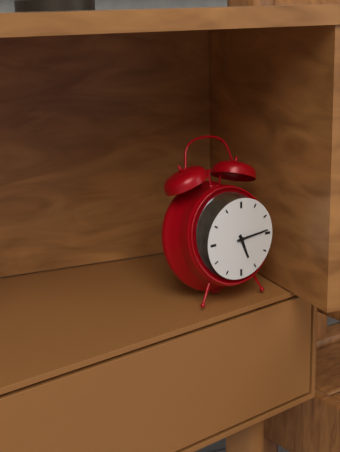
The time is **5:14**
